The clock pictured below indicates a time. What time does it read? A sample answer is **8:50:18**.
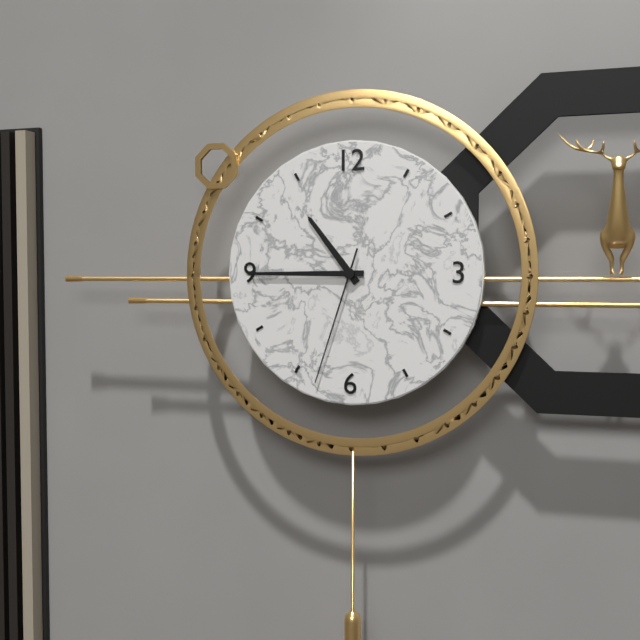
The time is **10:45:33**
